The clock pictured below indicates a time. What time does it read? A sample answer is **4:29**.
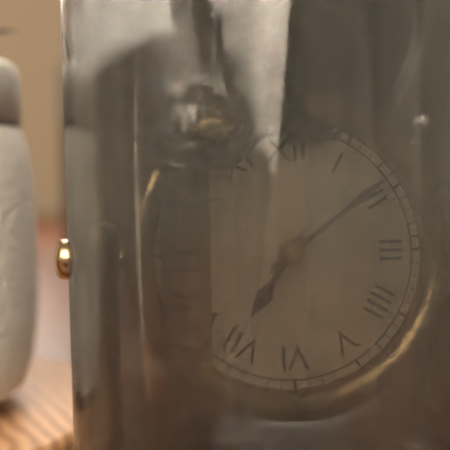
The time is **7:09**
